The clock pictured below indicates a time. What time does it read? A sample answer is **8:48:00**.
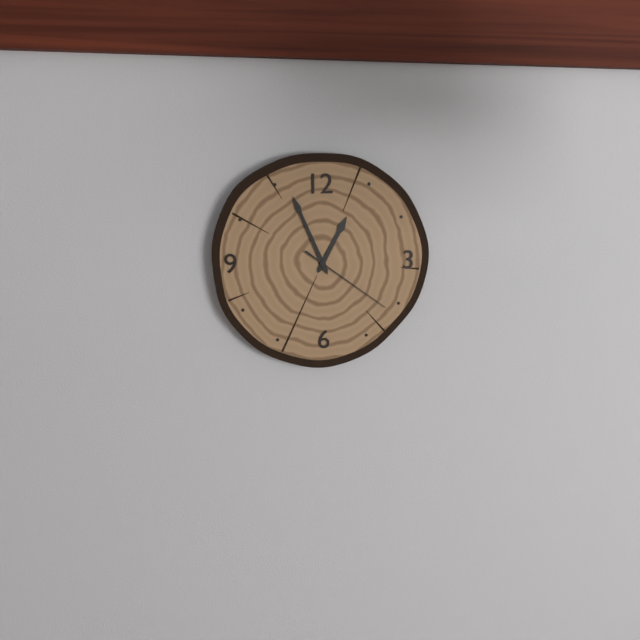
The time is **12:56:21**
